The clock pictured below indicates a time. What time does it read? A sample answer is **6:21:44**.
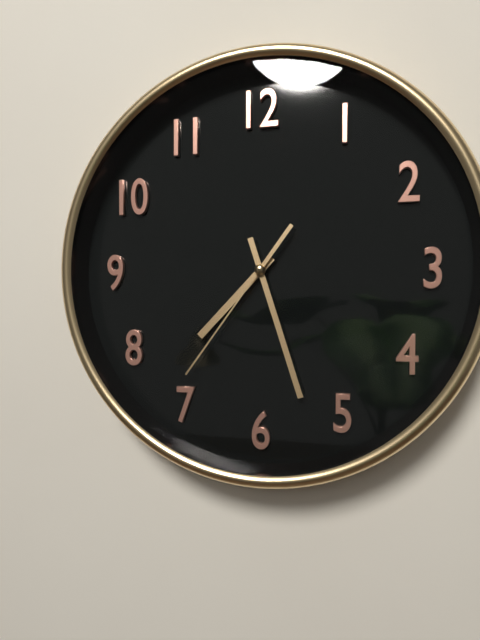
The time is **7:27:36**
